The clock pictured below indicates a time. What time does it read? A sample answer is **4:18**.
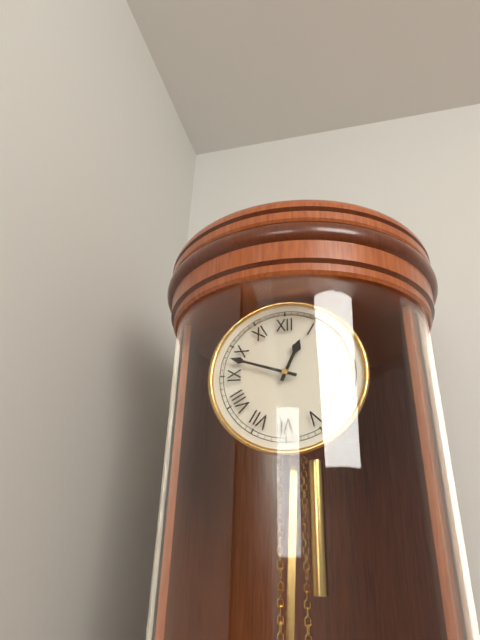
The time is **12:48**
